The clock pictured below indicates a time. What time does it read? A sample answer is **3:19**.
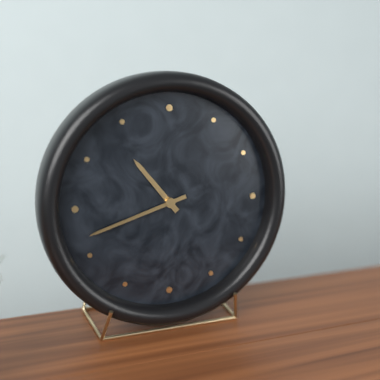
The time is **10:42**
